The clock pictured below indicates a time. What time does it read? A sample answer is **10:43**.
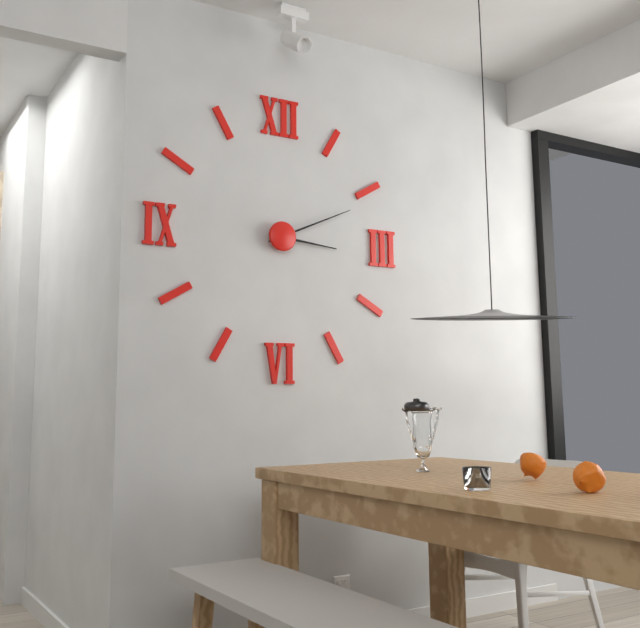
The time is **3:11**
